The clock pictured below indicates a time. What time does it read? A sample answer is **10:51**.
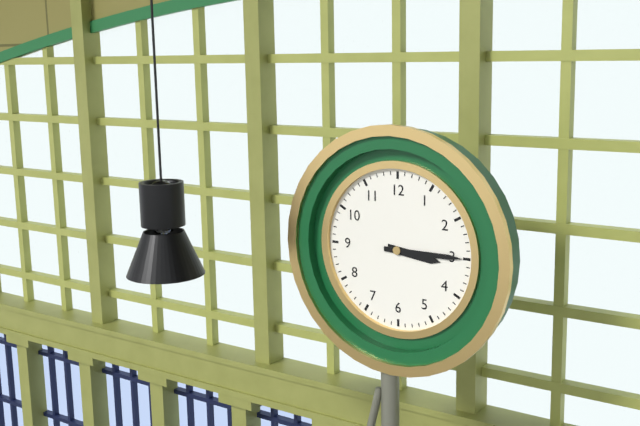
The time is **3:15**
